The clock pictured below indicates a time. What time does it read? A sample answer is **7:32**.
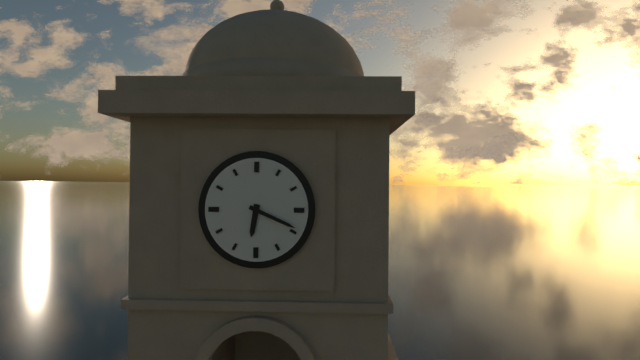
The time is **6:19**
